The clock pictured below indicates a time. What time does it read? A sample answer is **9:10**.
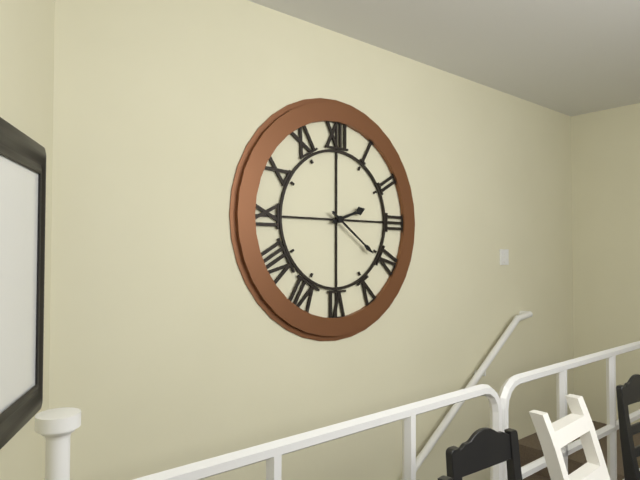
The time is **2:21**
